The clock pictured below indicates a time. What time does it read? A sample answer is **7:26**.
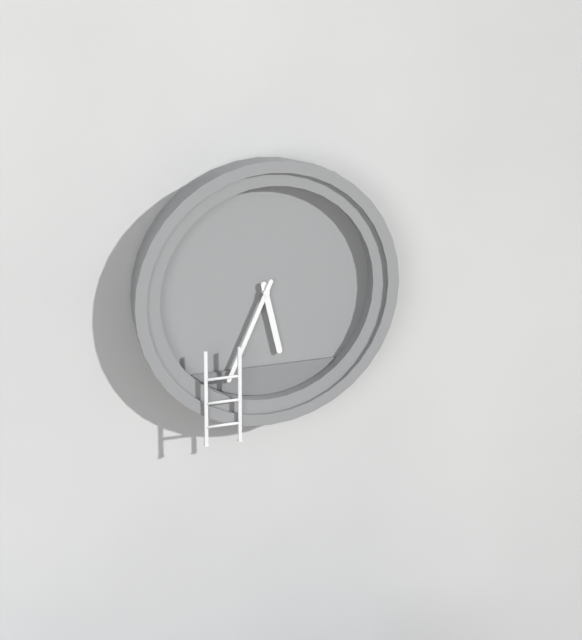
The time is **5:34**
